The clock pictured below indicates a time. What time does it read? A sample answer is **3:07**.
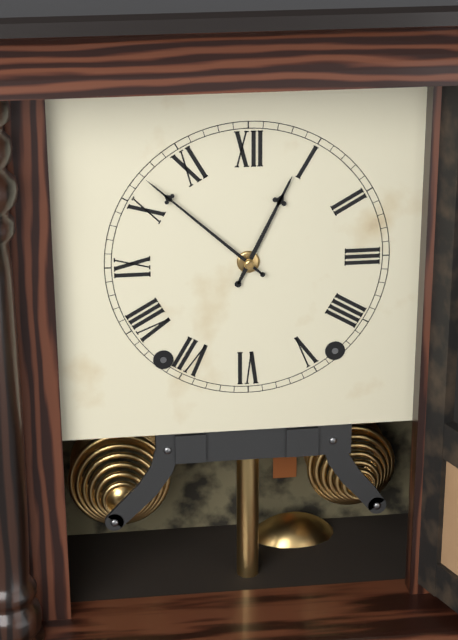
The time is **12:52**
